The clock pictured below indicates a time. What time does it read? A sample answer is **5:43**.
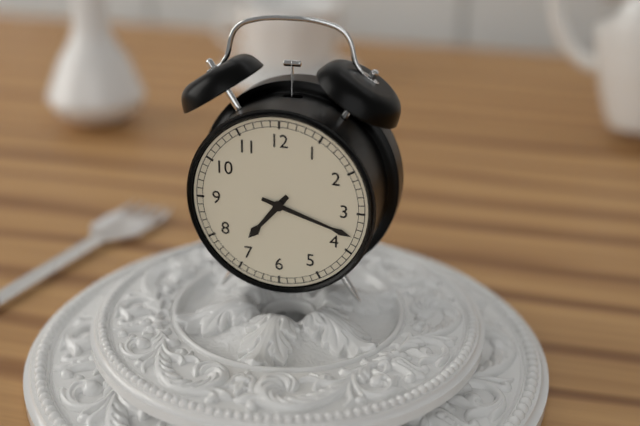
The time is **7:18**
